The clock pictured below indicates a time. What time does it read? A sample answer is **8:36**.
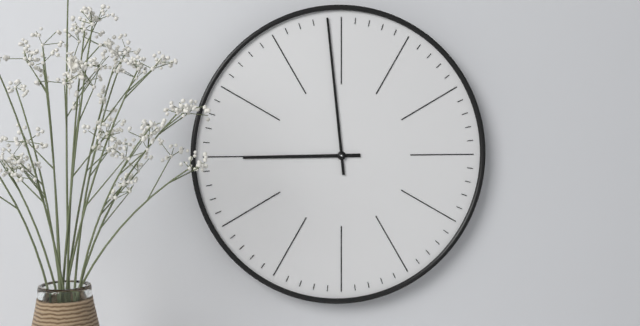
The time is **8:59**
